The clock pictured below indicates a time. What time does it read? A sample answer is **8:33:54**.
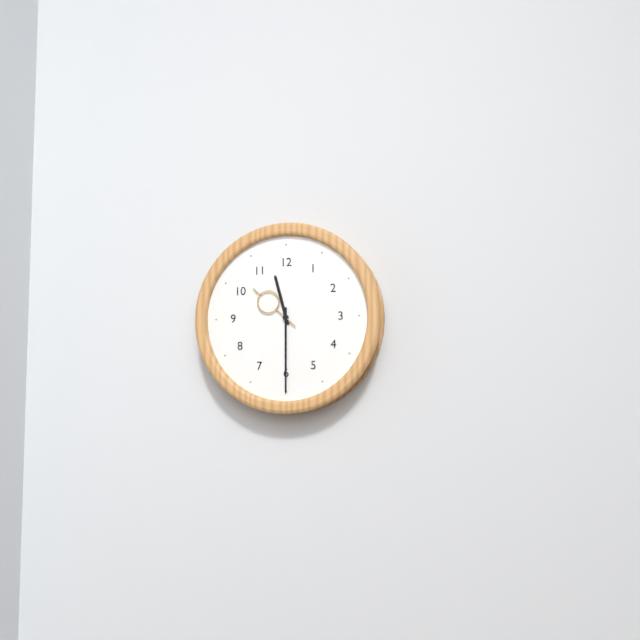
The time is **11:30:52**
